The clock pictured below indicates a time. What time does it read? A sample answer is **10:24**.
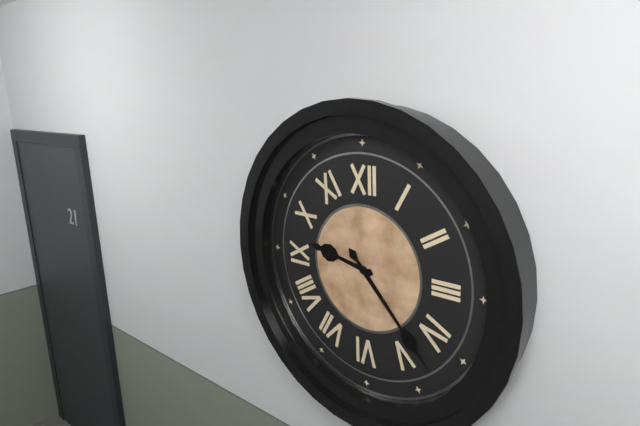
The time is **9:23**
